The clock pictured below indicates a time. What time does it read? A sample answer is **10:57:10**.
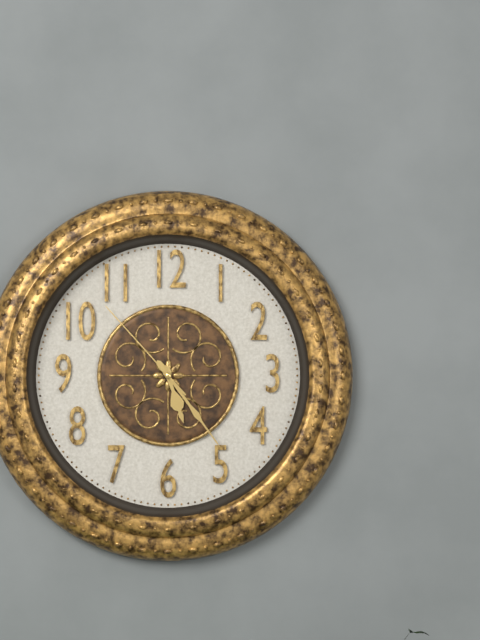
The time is **5:24:53**
